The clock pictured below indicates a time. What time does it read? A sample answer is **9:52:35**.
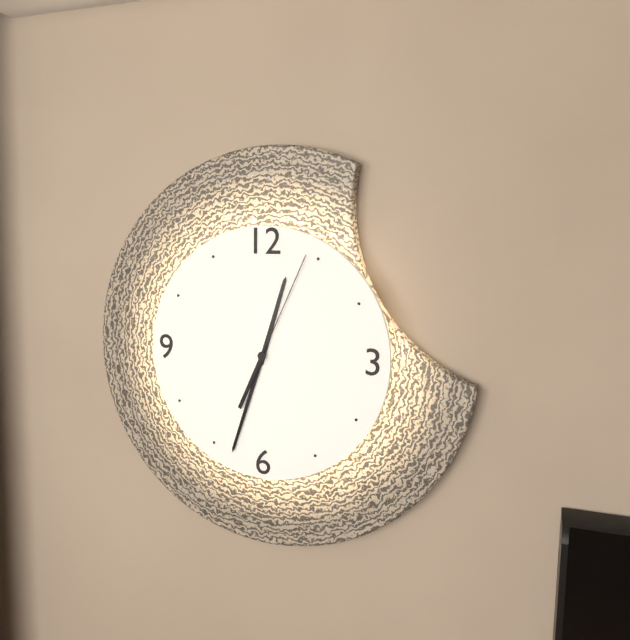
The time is **12:33:04**
